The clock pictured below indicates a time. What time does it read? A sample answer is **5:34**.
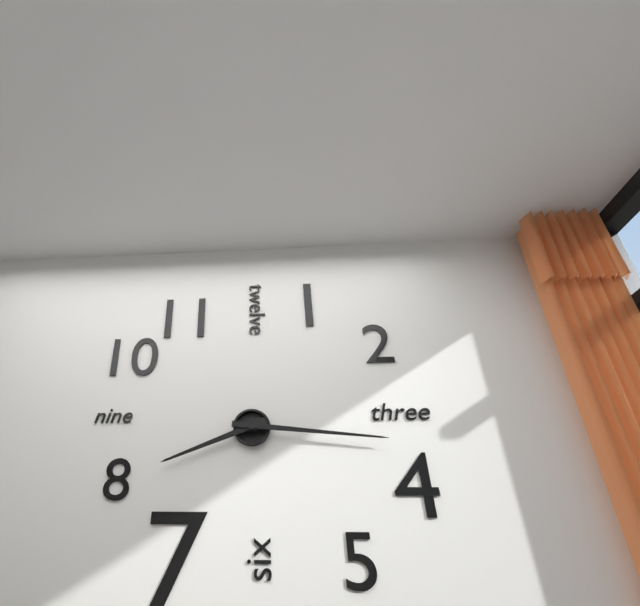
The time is **8:16**
